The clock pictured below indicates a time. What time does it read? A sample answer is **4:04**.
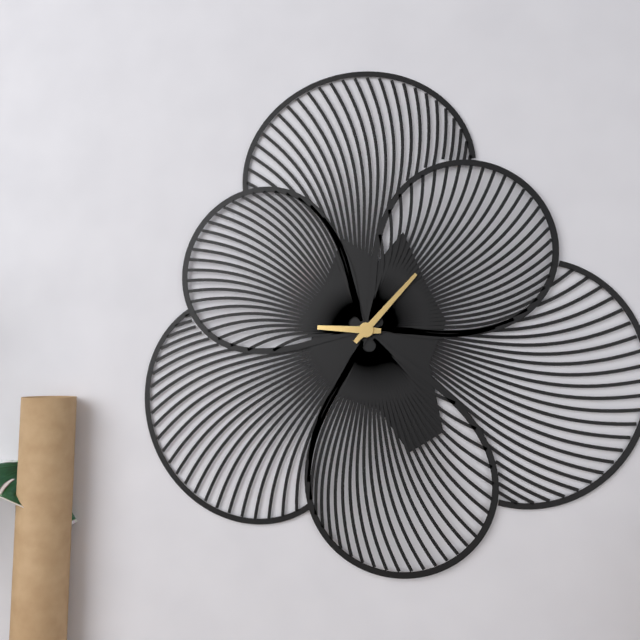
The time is **9:07**
